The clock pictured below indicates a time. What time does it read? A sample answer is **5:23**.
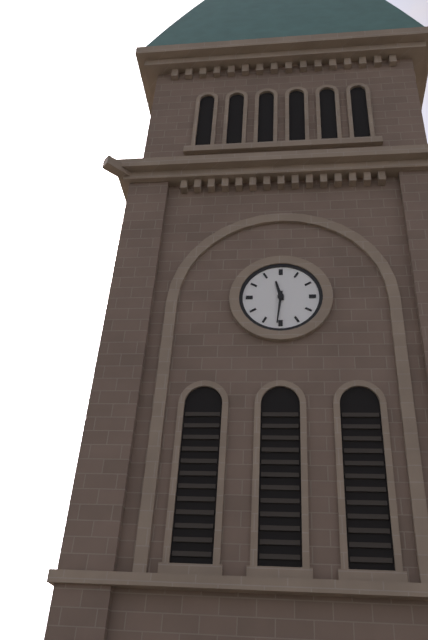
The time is **11:31**
